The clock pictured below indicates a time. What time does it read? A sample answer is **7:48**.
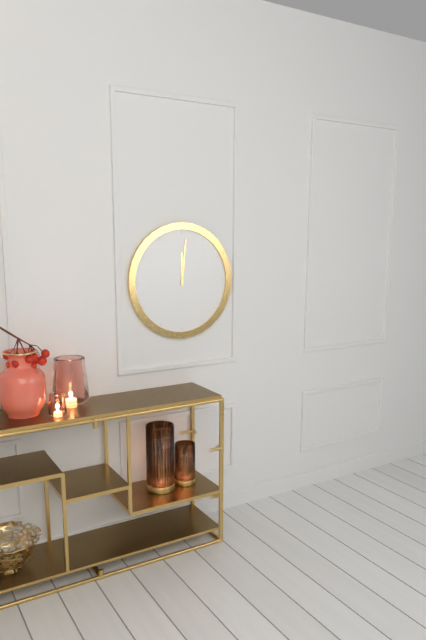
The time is **12:01**
